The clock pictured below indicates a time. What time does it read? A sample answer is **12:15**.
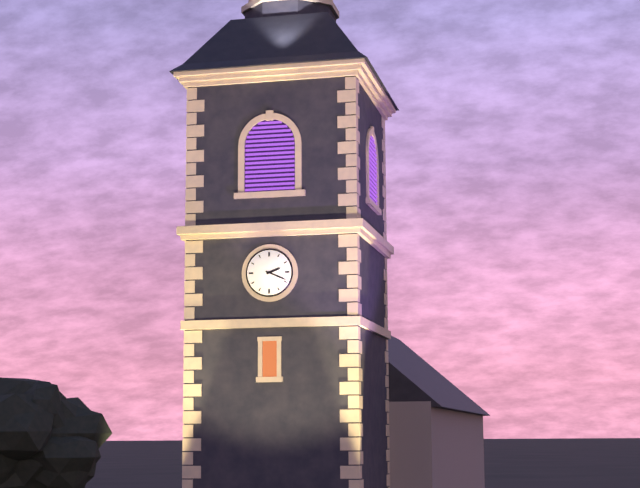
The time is **2:19**
